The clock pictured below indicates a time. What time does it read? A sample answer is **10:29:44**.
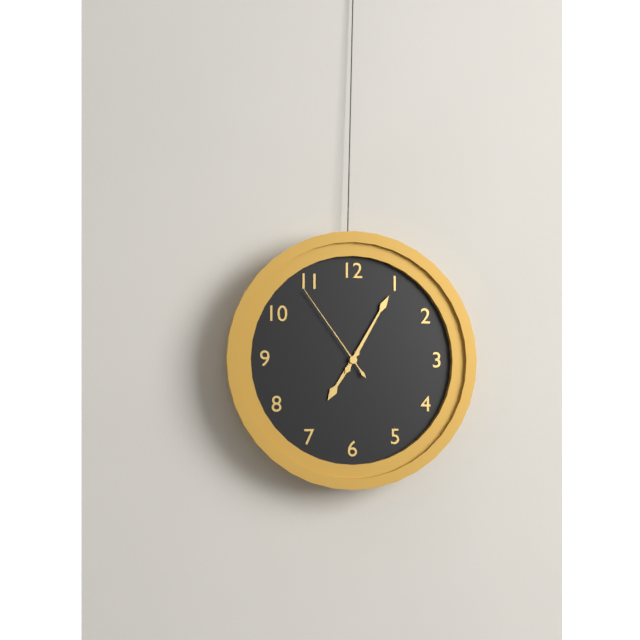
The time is **7:05:54**
